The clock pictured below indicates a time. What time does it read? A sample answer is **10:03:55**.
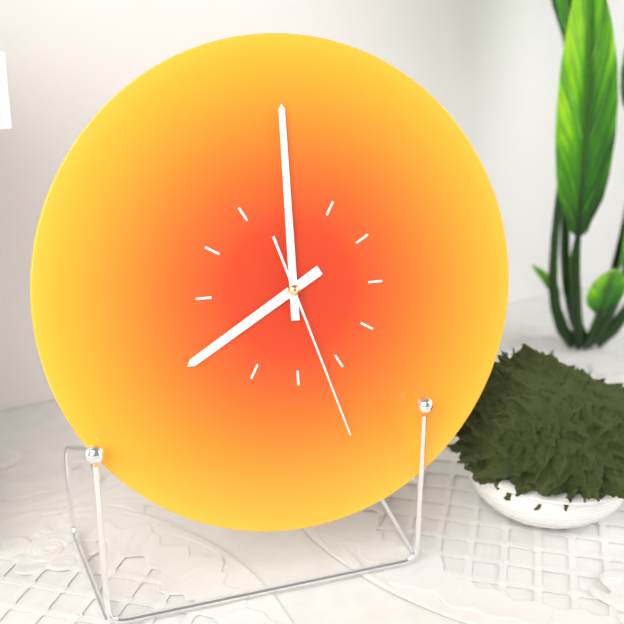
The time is **8:00:27**
